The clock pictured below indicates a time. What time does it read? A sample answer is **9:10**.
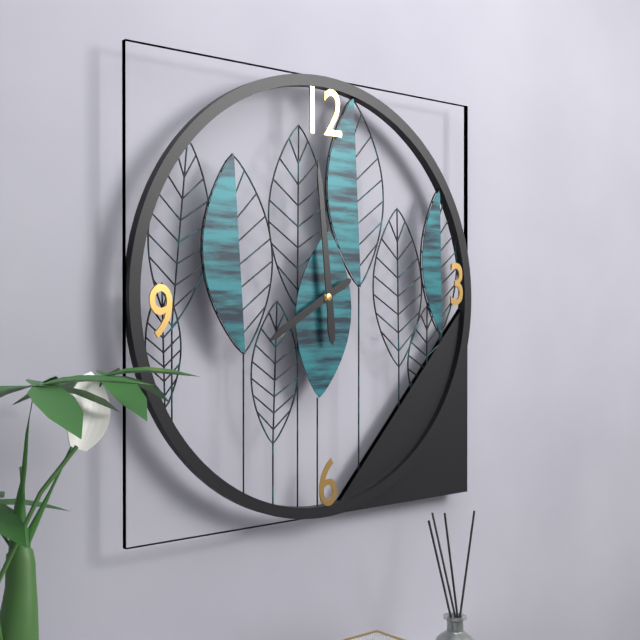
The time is **7:59**
